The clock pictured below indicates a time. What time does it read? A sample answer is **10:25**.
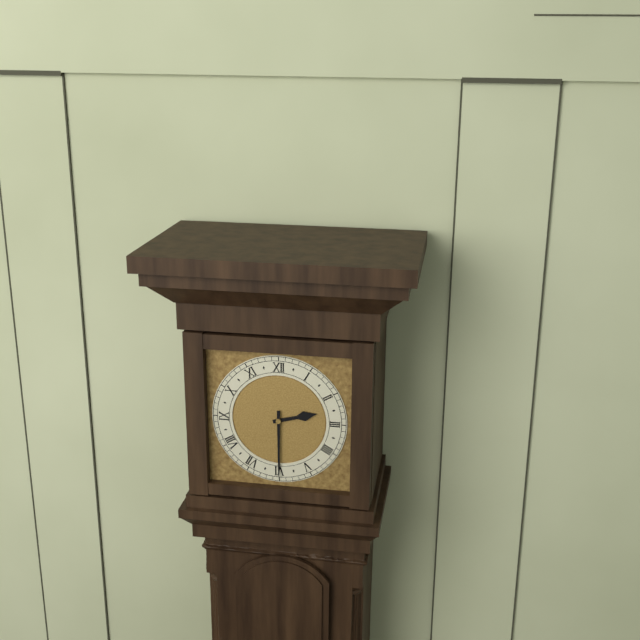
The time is **2:30**
